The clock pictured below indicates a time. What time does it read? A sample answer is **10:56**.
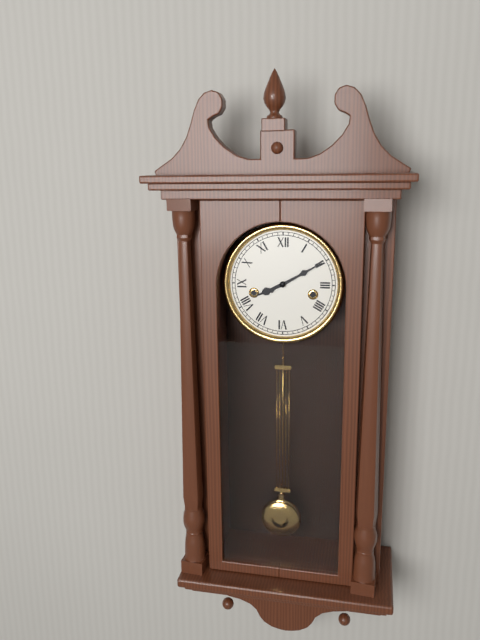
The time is **8:10**
